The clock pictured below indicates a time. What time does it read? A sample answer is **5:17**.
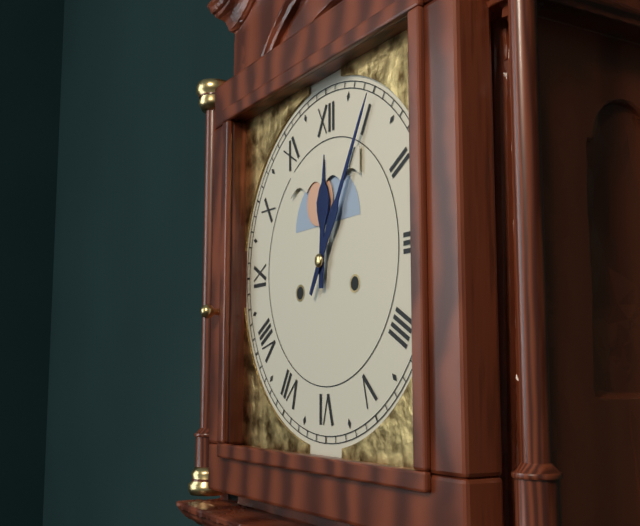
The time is **12:05**
